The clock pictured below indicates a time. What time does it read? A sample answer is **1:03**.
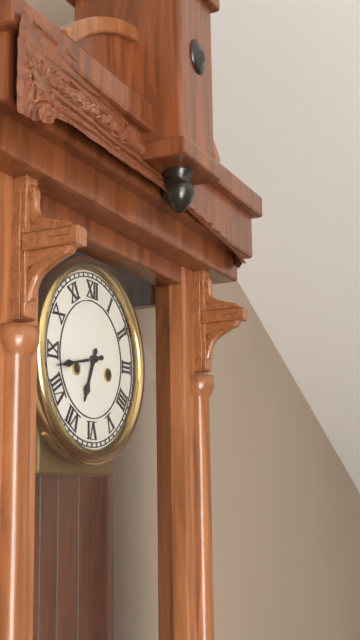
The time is **6:43**
